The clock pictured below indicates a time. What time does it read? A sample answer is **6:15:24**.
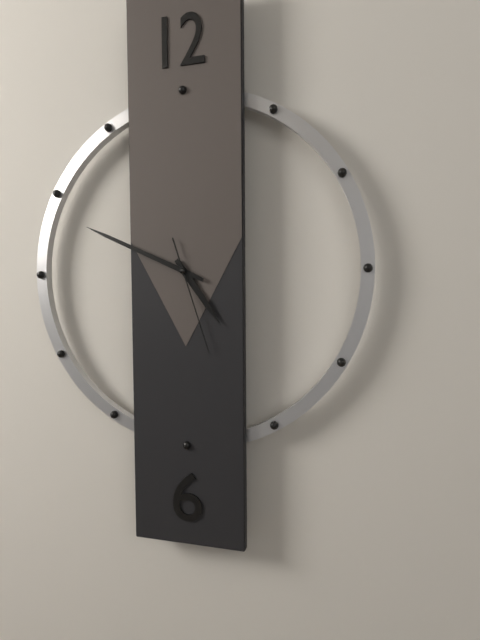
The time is **4:49:27**
